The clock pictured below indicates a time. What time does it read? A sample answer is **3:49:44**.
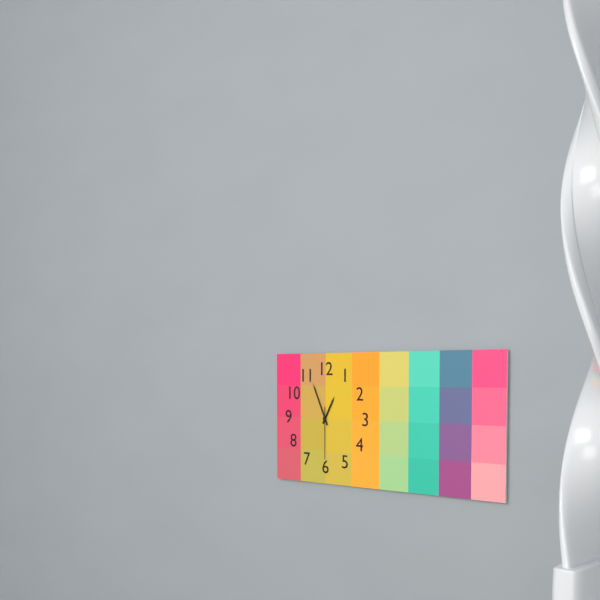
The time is **12:56:30**
